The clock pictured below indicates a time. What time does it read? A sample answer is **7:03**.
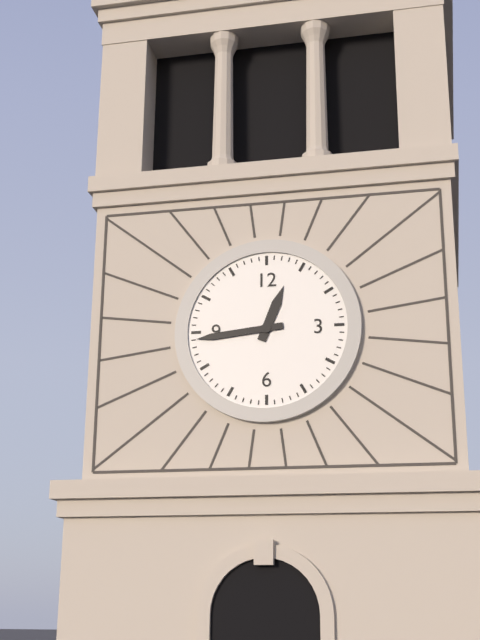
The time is **12:44**
